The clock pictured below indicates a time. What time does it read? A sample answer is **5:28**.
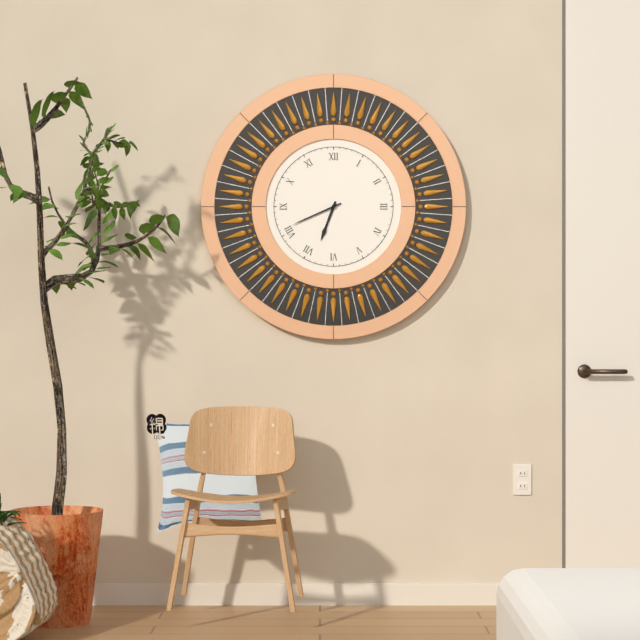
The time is **6:41**
